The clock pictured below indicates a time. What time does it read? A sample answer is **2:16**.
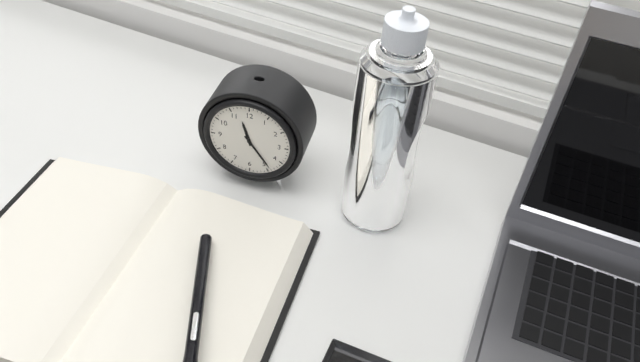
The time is **11:24**
